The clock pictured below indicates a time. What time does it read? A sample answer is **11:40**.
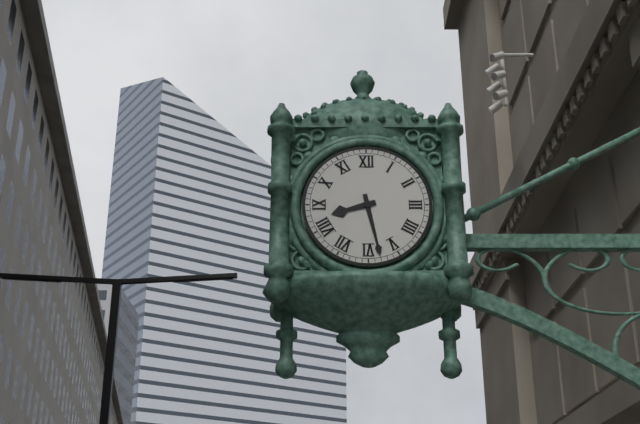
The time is **8:28**
